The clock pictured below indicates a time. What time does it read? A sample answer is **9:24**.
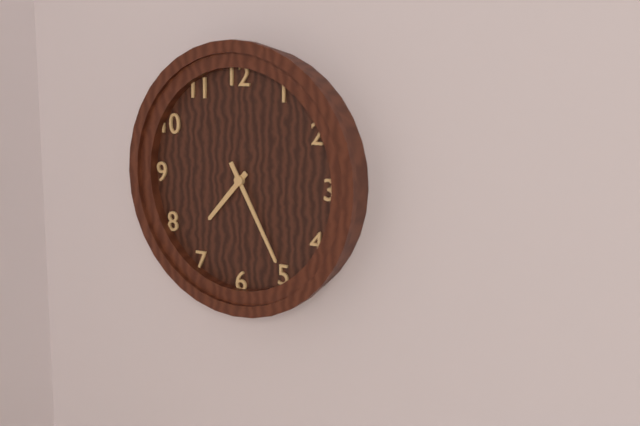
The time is **7:25**
